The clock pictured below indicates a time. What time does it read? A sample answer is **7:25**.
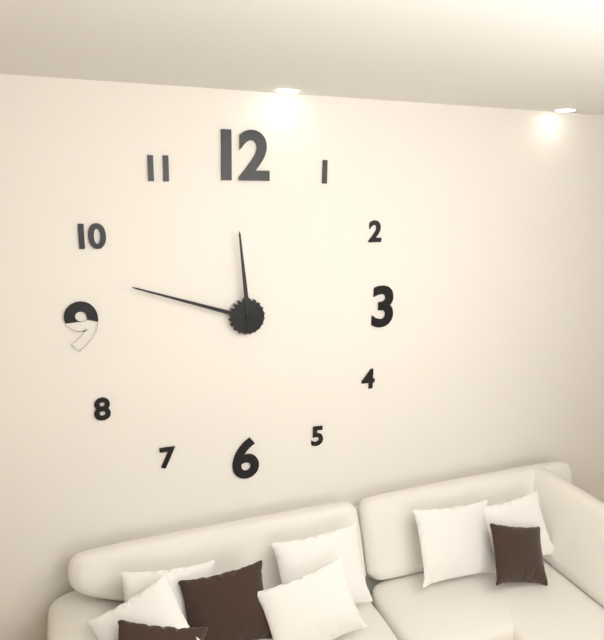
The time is **11:48**
